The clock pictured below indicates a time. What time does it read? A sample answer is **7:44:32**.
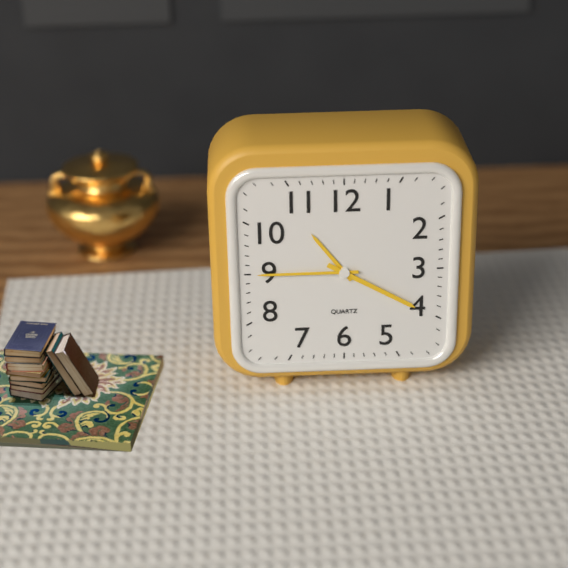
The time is **10:45:20**
